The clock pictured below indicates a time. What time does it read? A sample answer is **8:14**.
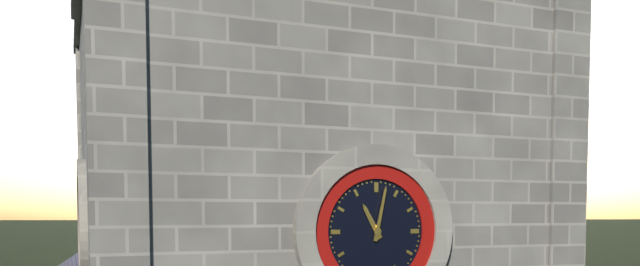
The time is **11:02**
